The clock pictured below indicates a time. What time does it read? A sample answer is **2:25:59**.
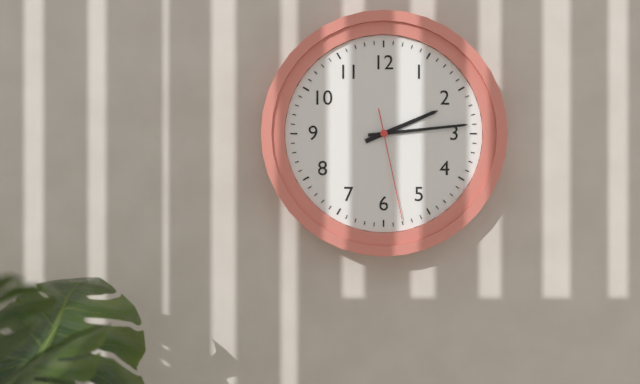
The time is **2:14:28**
